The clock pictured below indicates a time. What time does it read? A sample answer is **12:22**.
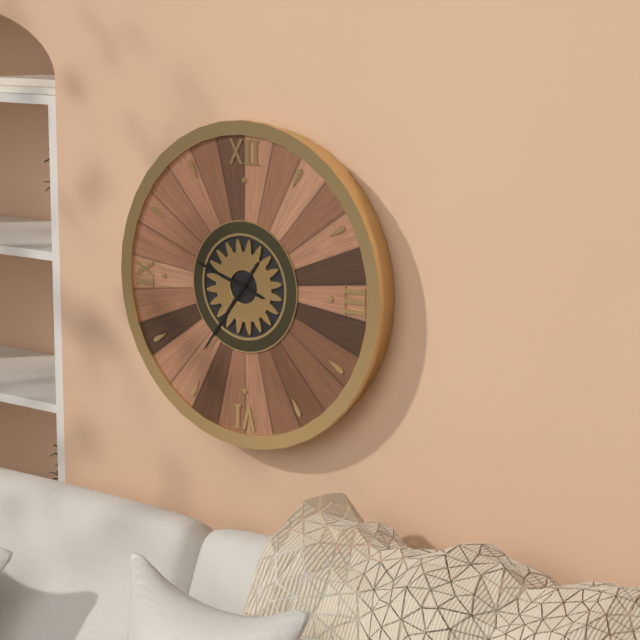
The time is **9:36**
